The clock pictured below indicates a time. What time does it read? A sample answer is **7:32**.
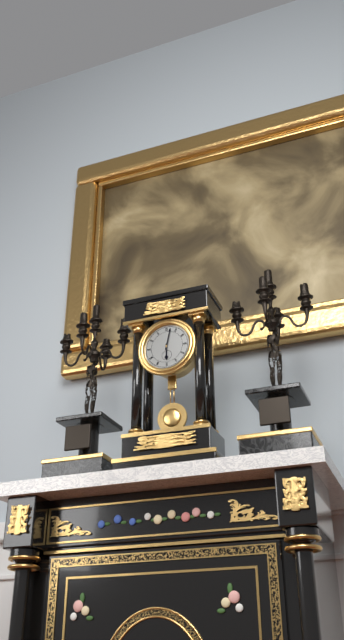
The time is **6:02**
